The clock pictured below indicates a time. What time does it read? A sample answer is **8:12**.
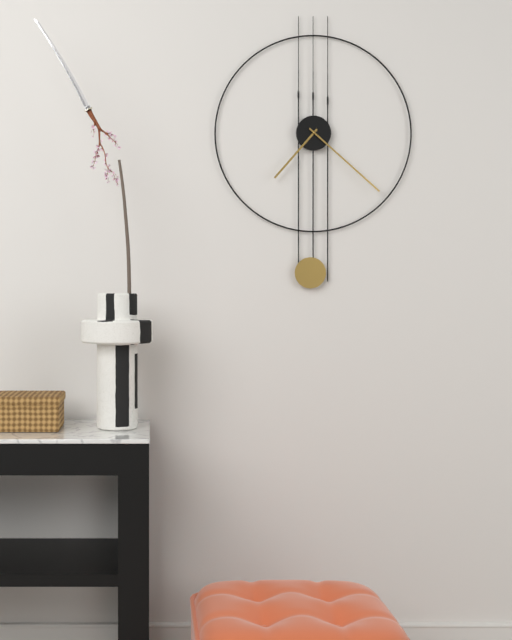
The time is **7:22**
